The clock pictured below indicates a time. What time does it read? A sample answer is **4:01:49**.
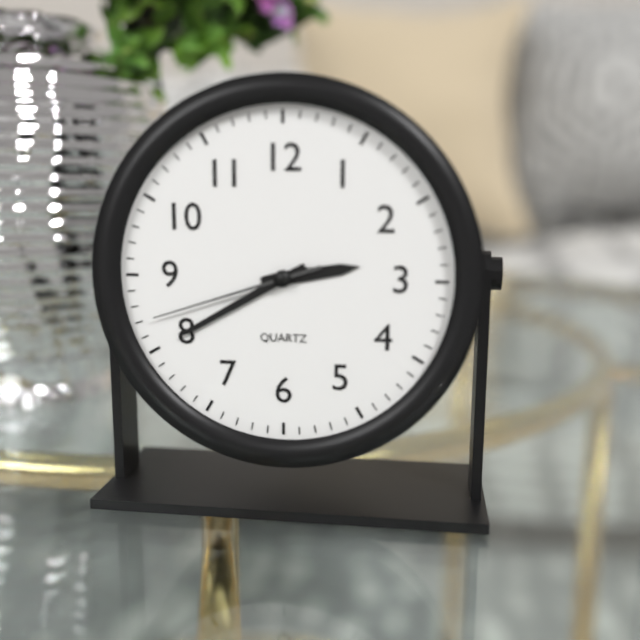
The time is **2:40:42**
